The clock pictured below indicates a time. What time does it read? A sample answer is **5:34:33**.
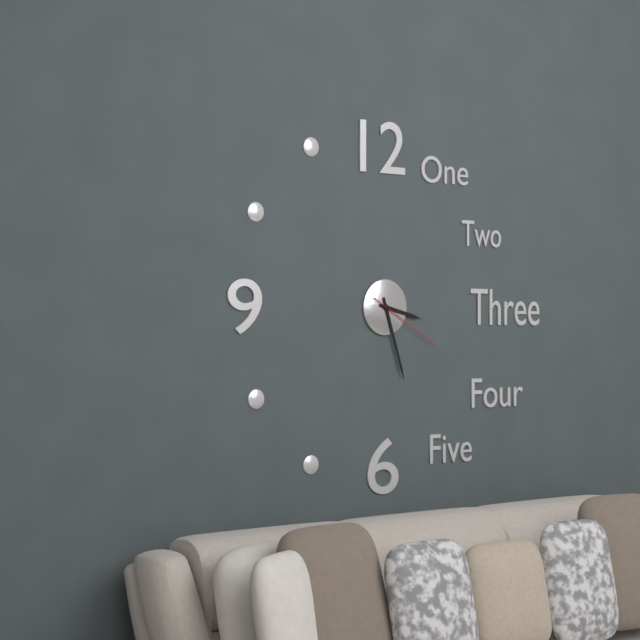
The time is **3:27:20**
